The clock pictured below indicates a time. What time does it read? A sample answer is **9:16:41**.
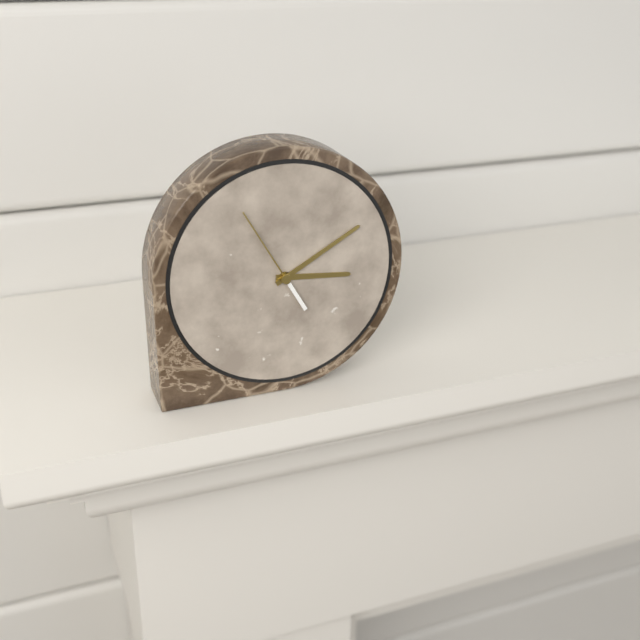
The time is **3:10:55**
